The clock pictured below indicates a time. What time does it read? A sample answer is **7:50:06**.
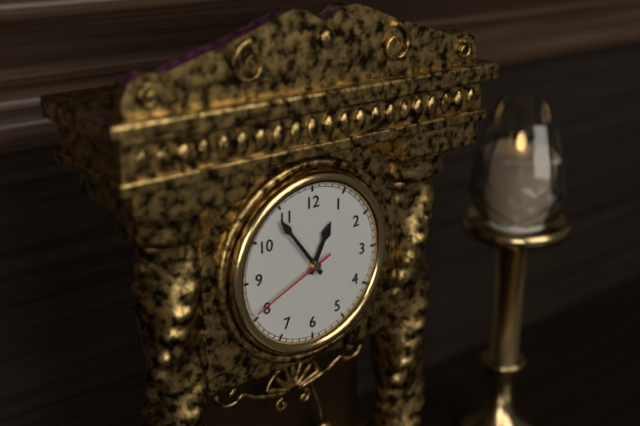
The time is **12:54:41**
